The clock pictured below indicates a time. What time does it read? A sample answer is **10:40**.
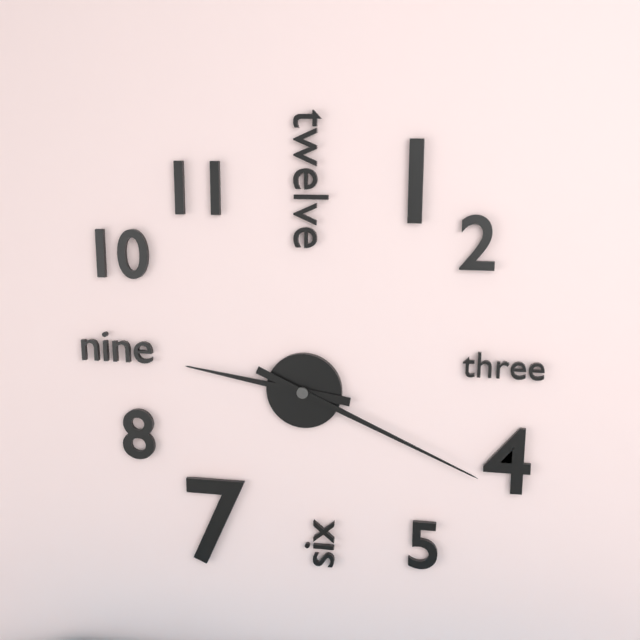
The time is **9:19**
